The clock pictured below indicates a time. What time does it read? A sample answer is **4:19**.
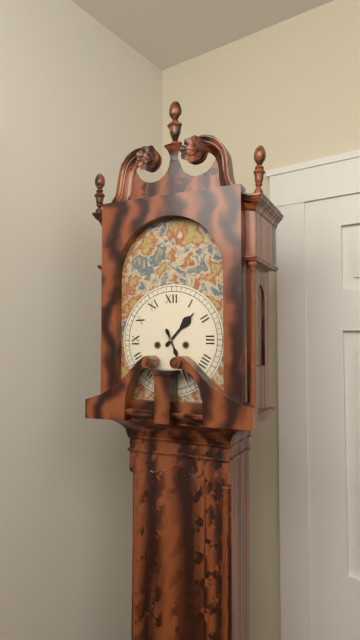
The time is **1:26**
